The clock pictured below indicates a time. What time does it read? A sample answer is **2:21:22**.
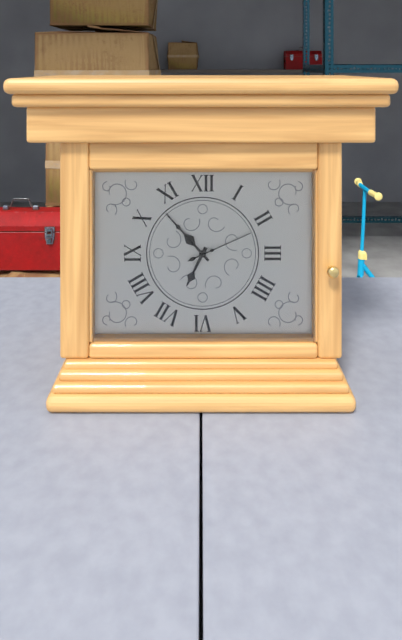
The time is **6:53:11**
